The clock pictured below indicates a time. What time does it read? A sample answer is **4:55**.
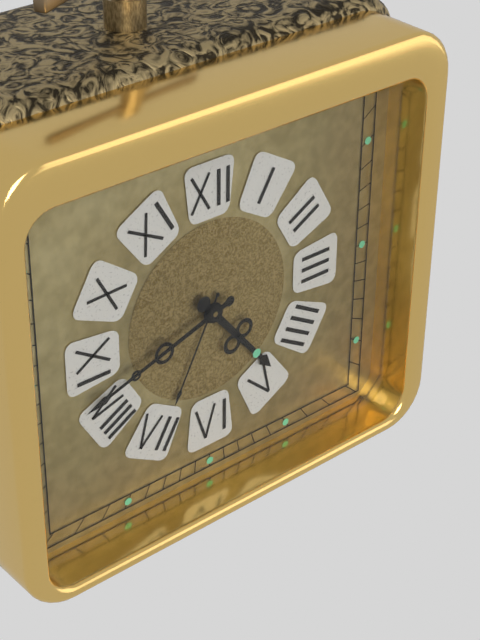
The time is **4:42**
